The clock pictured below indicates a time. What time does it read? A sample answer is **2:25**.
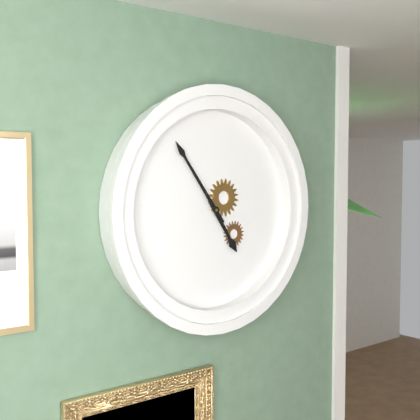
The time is **4:54**
